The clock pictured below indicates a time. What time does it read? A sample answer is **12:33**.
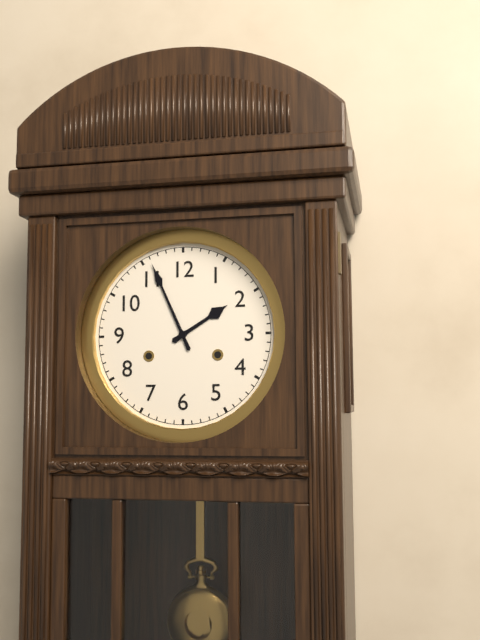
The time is **1:56**
